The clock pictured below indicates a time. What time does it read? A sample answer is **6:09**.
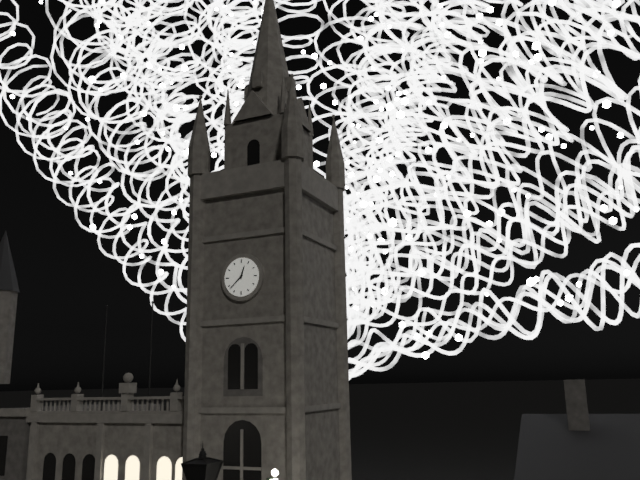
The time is **12:38**
